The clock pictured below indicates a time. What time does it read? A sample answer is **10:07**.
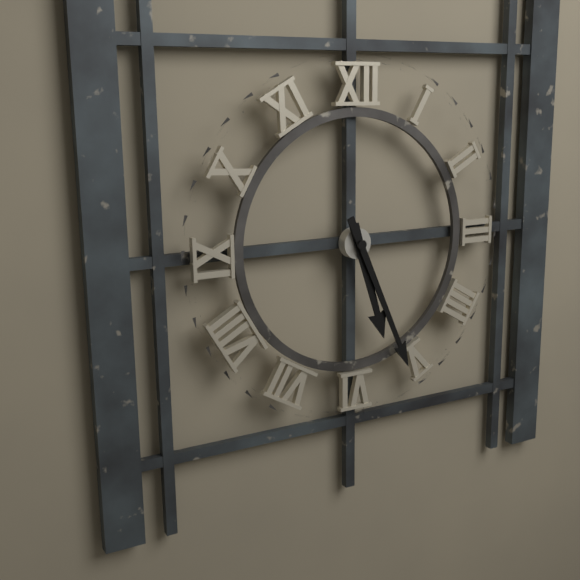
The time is **5:26**
